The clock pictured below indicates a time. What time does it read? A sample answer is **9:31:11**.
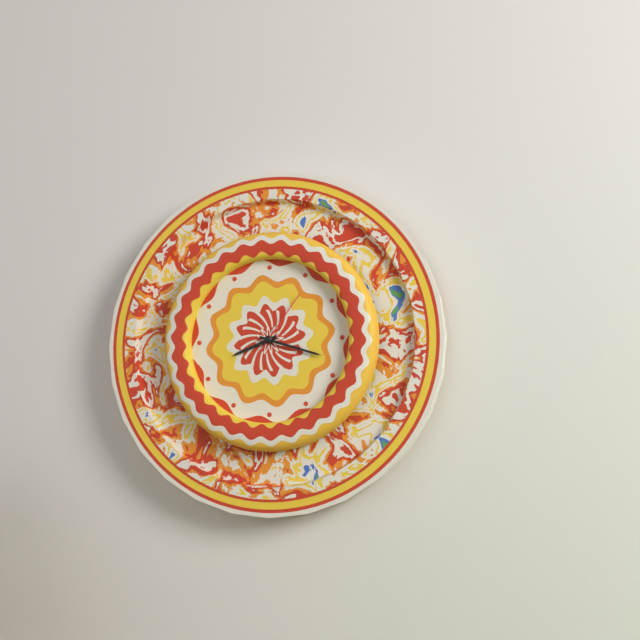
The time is **8:18:06**
